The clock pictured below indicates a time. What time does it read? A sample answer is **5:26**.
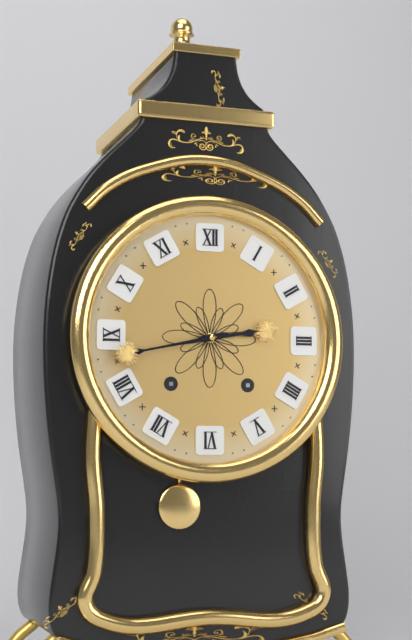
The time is **2:43**
